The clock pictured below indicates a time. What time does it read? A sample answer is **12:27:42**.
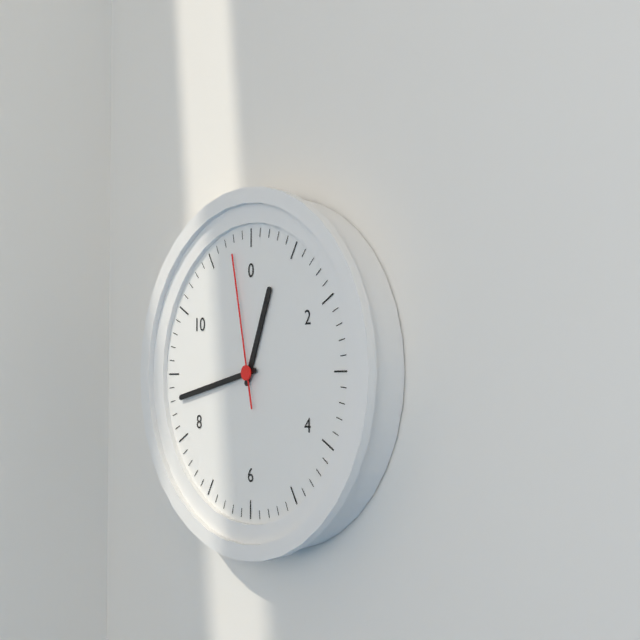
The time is **12:43:58**
